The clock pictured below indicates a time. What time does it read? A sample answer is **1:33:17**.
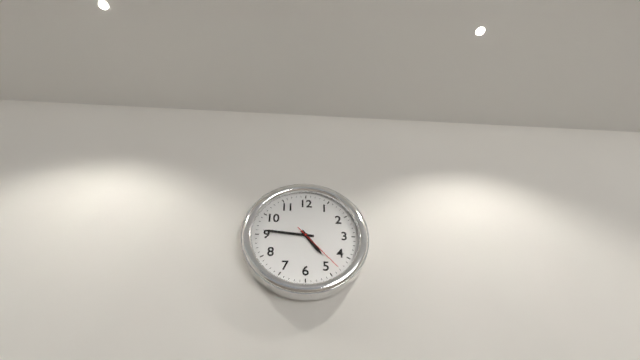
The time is **4:46:23**
